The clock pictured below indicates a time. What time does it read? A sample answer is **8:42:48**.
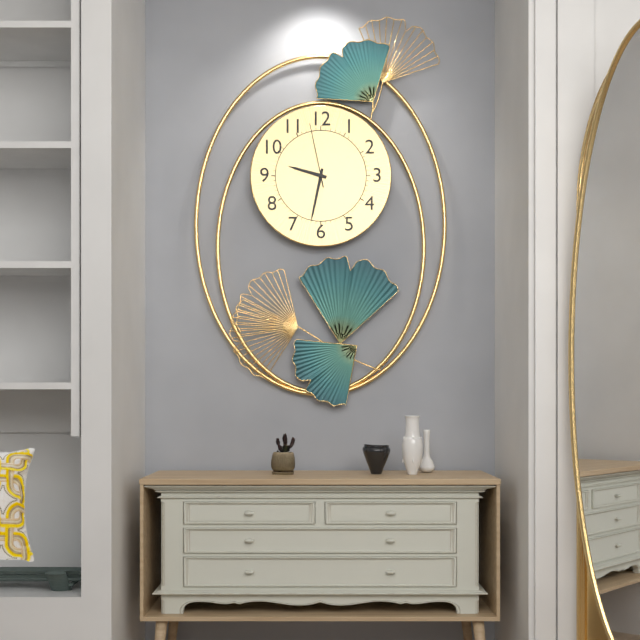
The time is **9:32:58**
